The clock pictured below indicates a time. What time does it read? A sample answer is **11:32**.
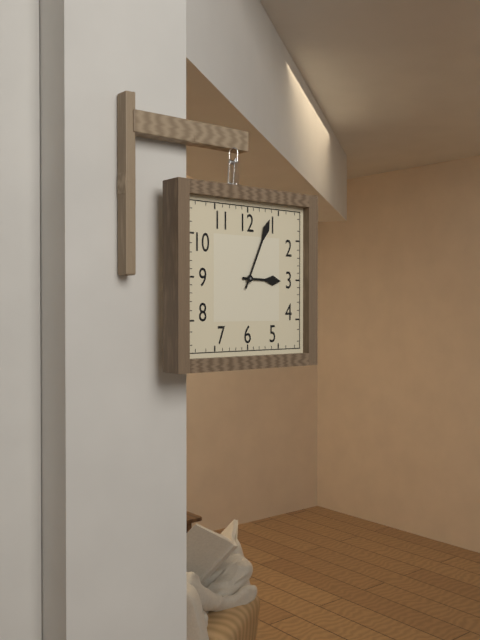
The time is **3:04**
